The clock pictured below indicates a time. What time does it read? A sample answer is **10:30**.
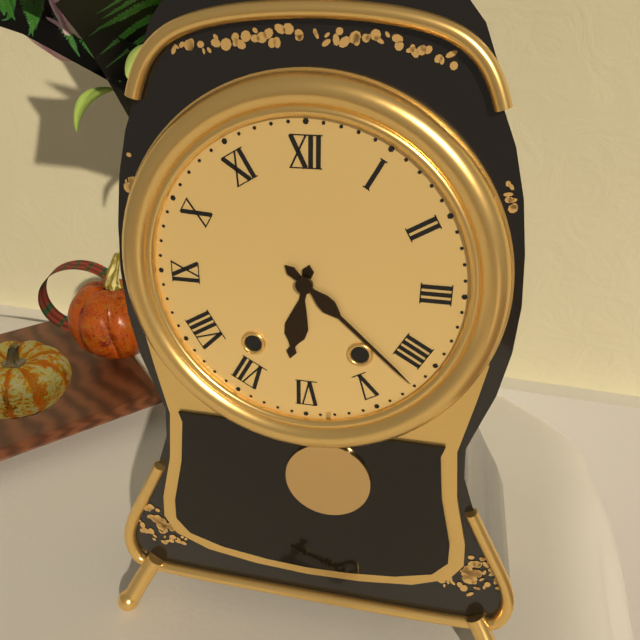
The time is **6:22**
